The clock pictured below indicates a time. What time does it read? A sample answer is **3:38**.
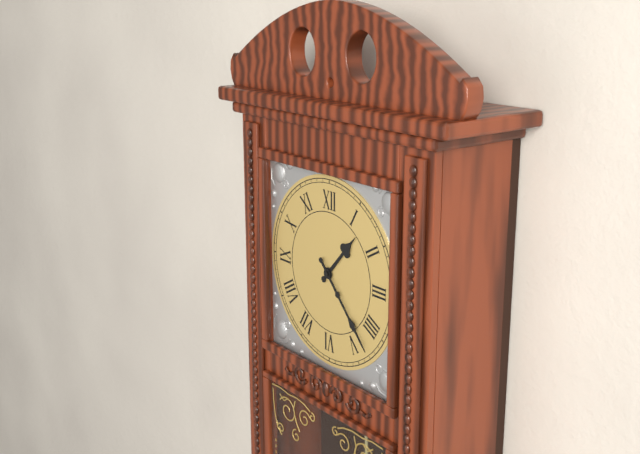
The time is **1:23**
